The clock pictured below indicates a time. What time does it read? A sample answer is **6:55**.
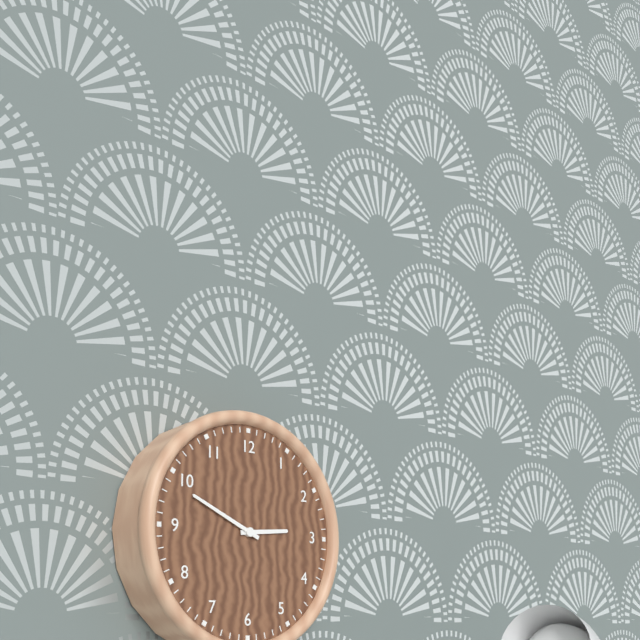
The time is **2:49**
